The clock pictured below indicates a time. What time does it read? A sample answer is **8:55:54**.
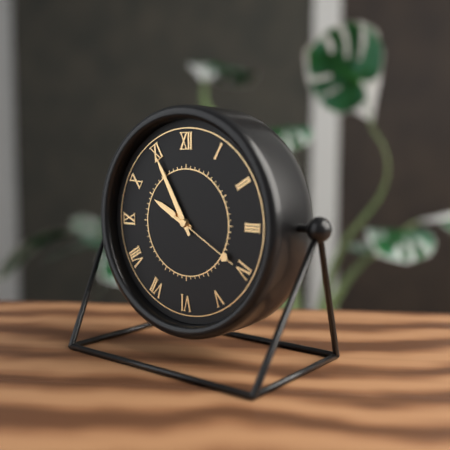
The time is **9:55:20**
